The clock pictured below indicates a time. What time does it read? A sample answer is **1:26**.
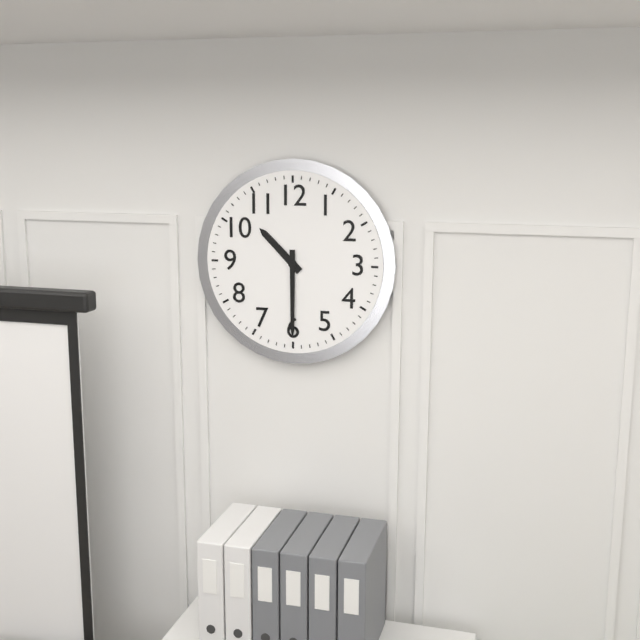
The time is **10:30**
